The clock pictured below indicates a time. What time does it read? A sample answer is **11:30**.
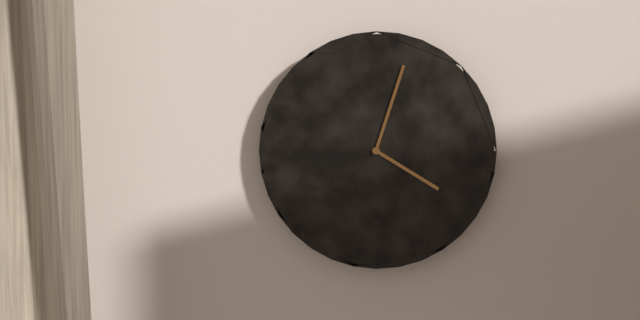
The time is **4:03**
